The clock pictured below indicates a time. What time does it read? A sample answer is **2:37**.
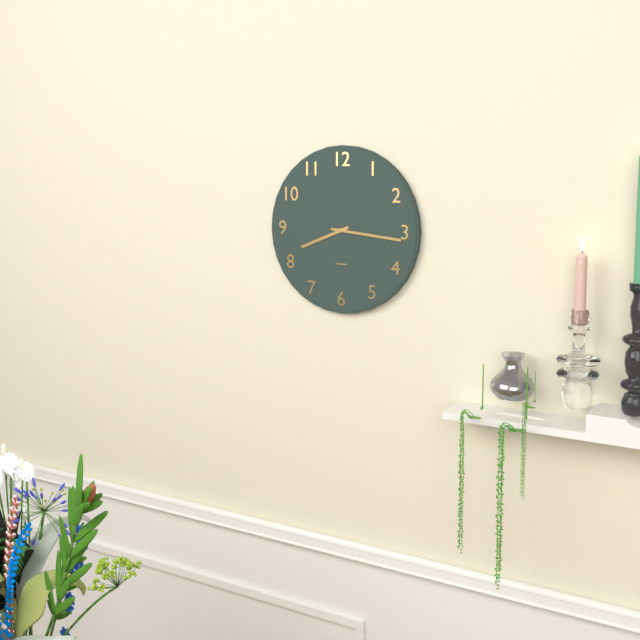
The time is **8:16**
